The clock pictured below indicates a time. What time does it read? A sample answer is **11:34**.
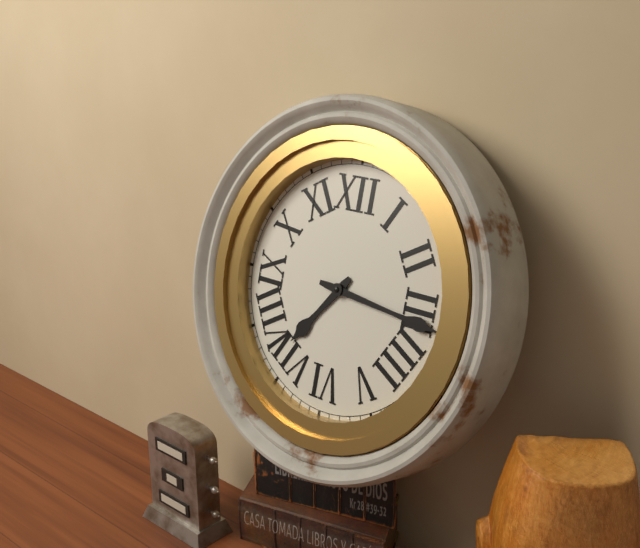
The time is **7:16**
